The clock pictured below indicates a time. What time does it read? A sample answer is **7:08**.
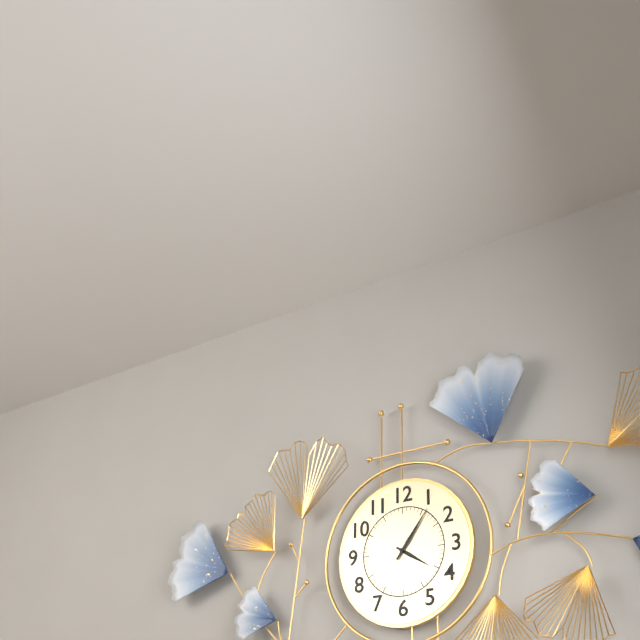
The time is **4:06**
